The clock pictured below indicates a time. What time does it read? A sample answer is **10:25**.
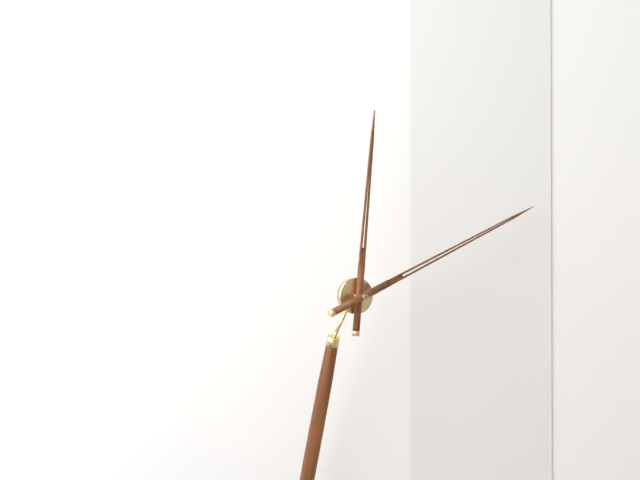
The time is **12:11**
